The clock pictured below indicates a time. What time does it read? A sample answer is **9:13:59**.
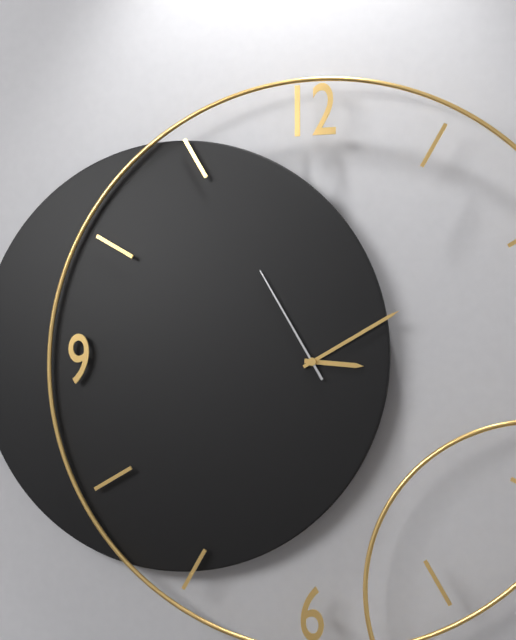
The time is **3:10:55**
